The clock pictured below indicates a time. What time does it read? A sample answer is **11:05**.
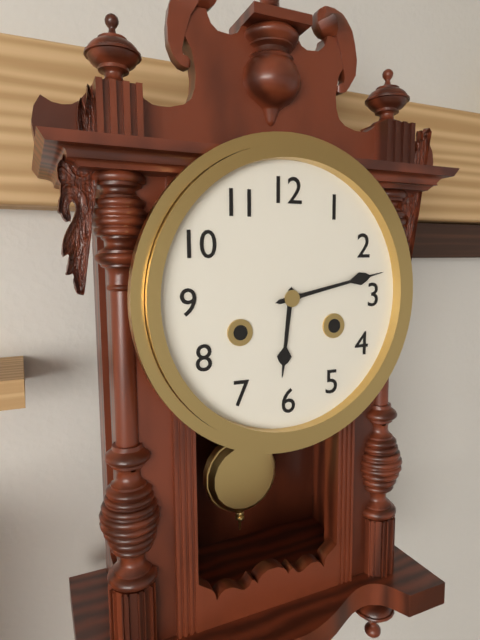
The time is **6:13**
